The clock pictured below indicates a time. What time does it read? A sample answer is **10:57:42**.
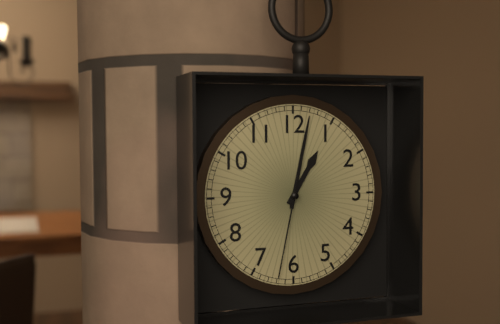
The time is **1:02:32**
